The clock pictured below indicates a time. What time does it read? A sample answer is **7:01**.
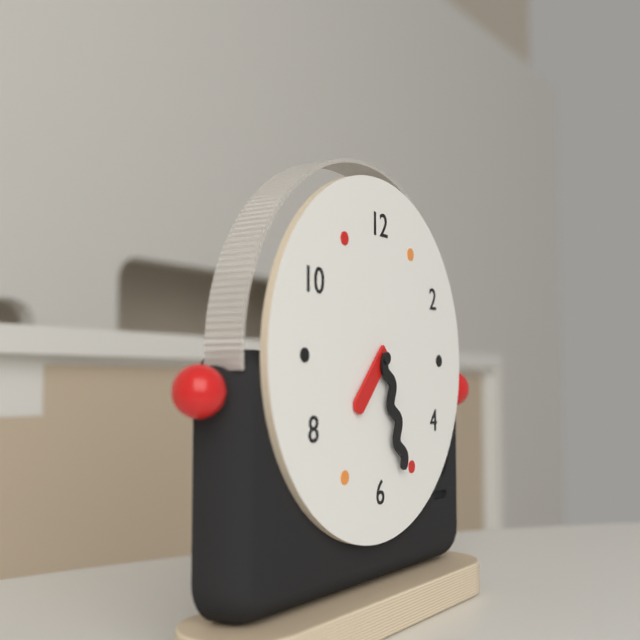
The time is **7:27**
